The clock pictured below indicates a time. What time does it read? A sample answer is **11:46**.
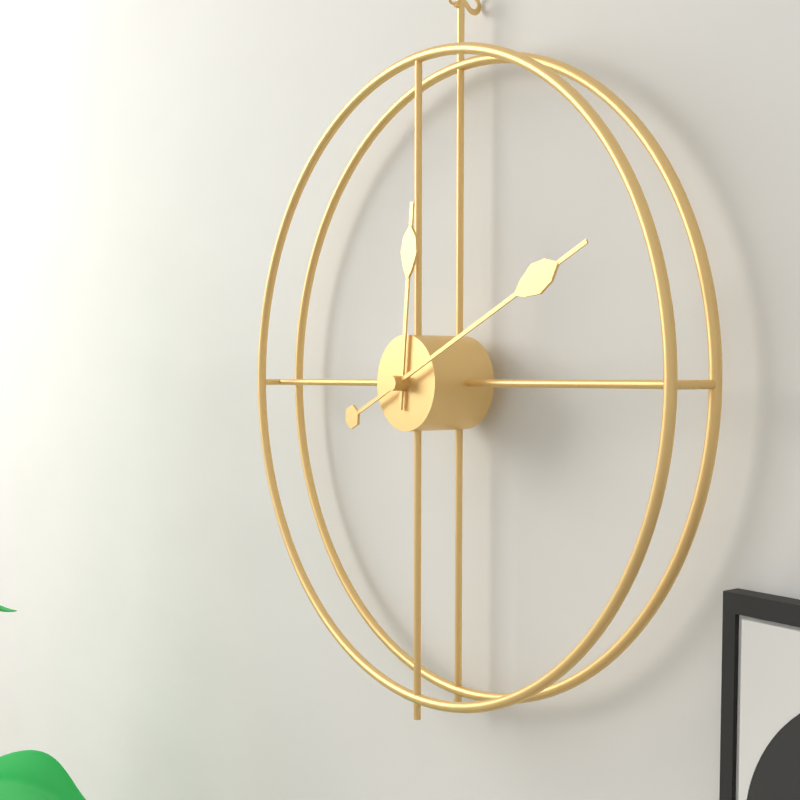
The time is **12:11**
